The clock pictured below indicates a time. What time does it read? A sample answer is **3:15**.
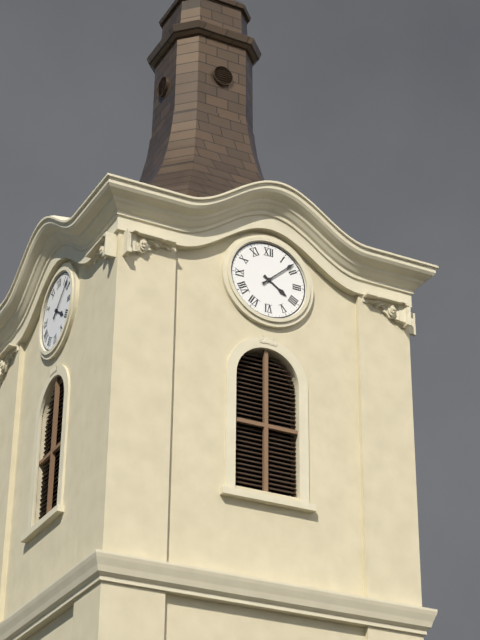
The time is **4:08**
